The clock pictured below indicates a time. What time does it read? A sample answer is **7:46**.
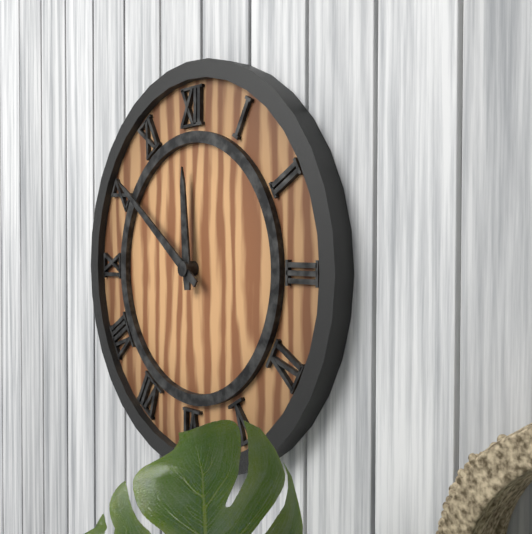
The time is **11:51**
